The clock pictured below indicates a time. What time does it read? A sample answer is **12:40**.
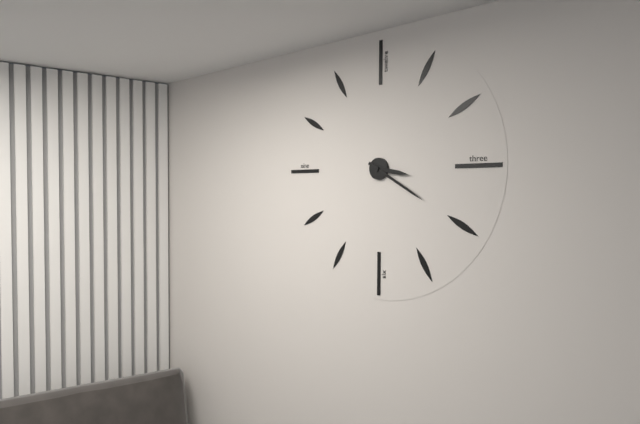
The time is **3:20**
